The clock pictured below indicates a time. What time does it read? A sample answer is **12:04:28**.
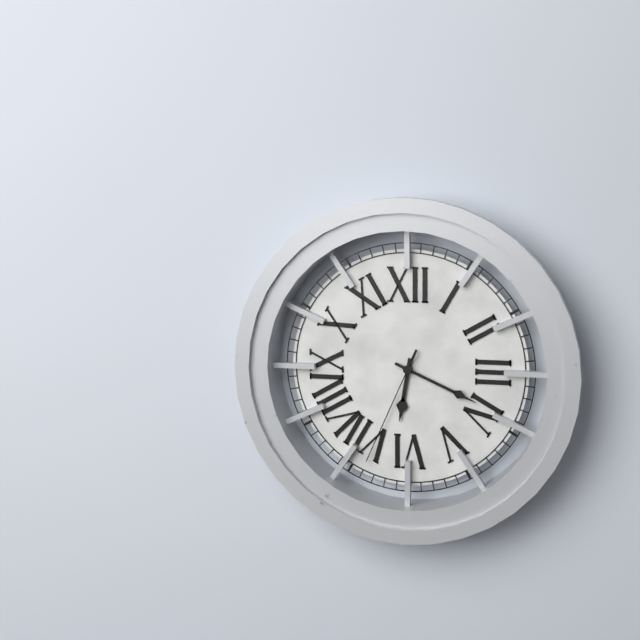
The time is **6:19:34**
